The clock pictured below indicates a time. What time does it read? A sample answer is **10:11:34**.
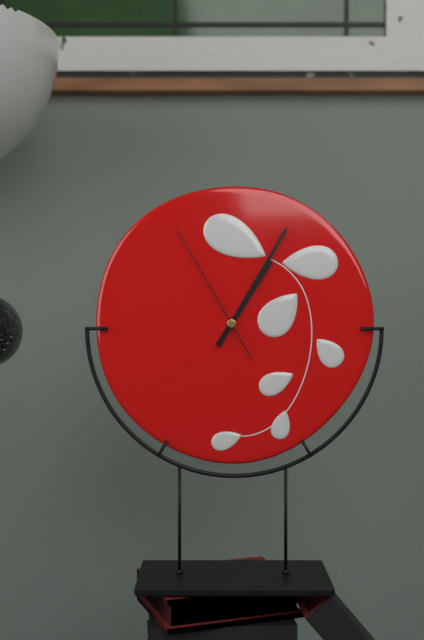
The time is **1:05:55**
